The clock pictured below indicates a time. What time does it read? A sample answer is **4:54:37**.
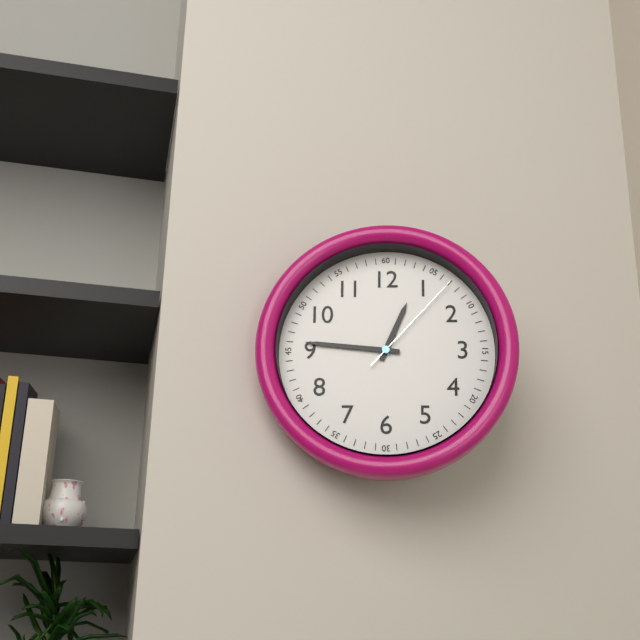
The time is **12:46:07**
